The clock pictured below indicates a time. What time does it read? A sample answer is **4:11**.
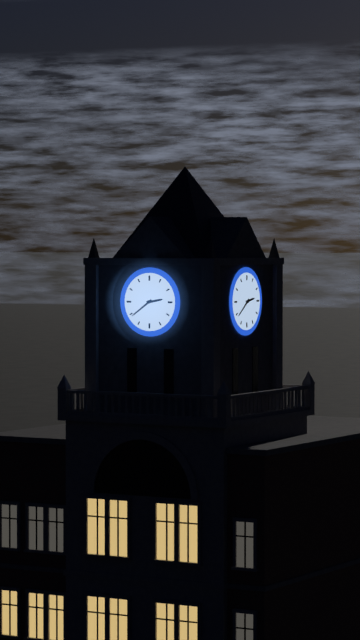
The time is **2:39**
